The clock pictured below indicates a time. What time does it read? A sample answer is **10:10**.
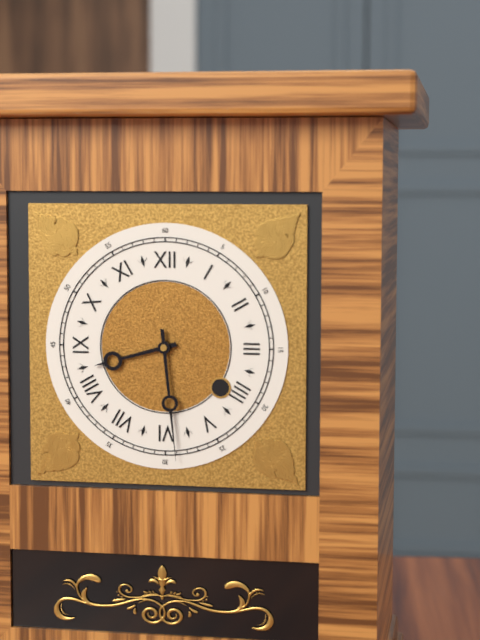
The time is **8:29**
